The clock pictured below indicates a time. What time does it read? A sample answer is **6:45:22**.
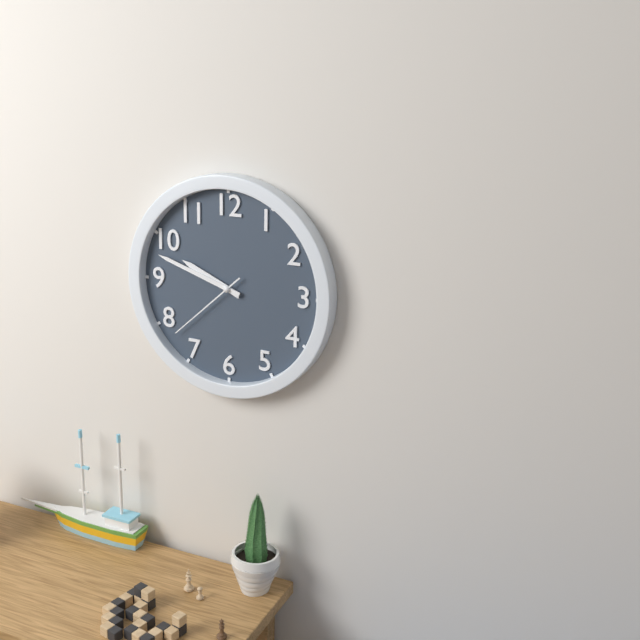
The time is **9:48:38**
